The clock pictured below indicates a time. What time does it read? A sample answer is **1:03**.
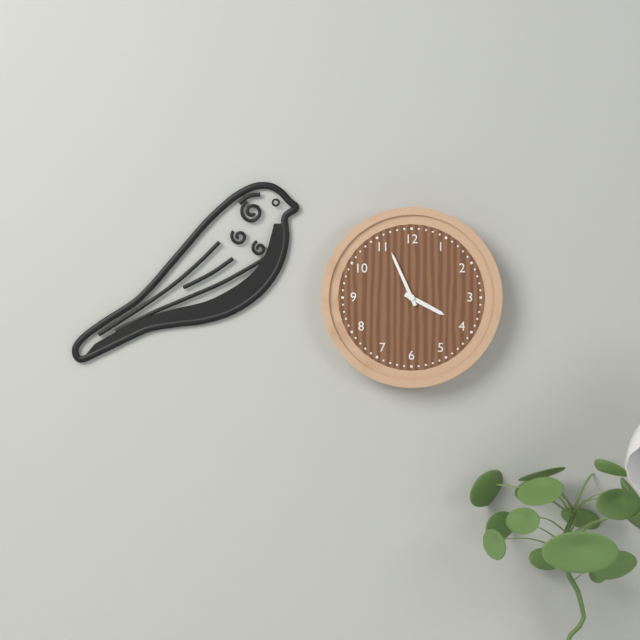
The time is **3:56**
